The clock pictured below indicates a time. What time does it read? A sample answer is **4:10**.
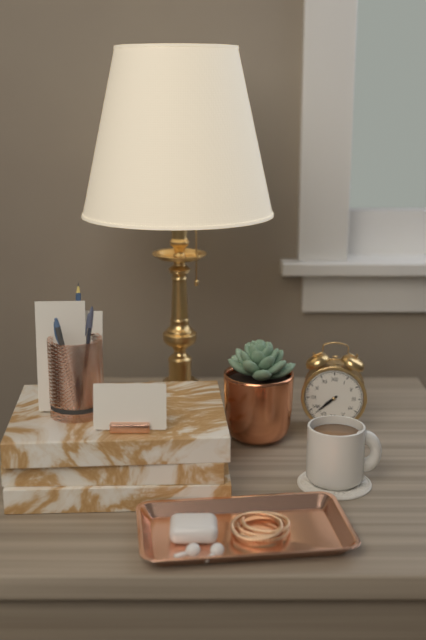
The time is **7:38**
